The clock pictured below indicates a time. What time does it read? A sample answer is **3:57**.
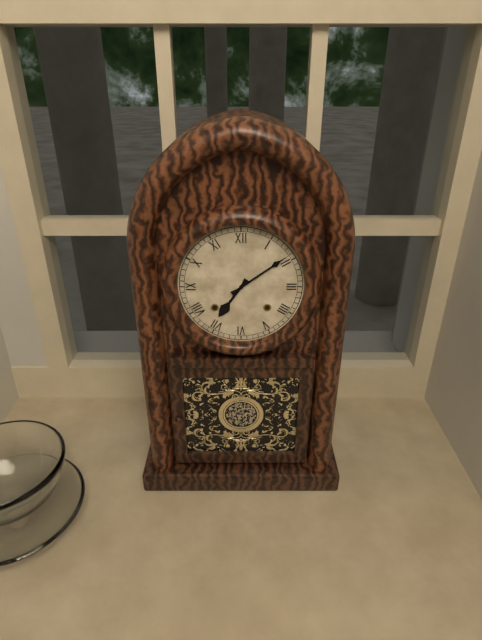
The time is **7:09**
